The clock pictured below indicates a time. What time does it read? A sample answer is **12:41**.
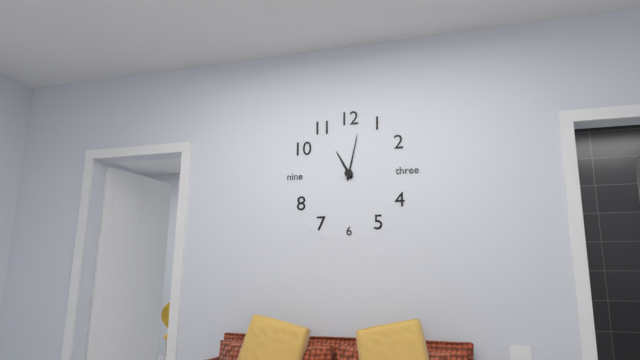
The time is **11:02**
